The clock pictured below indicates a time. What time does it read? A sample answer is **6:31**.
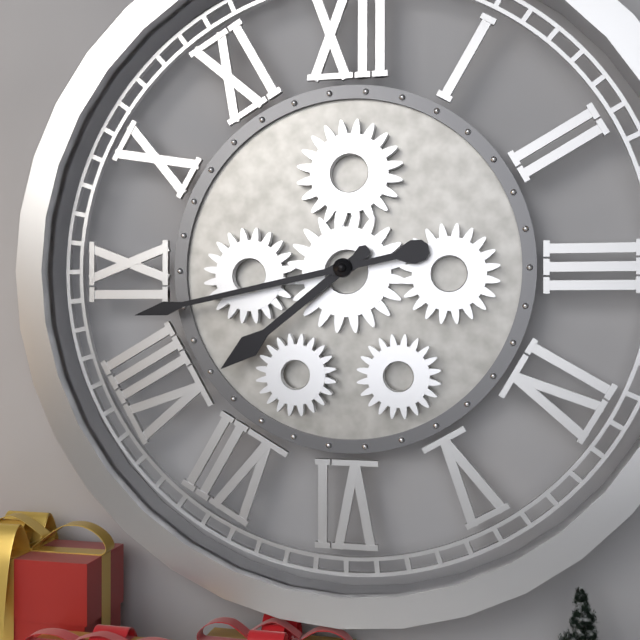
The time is **7:43**
